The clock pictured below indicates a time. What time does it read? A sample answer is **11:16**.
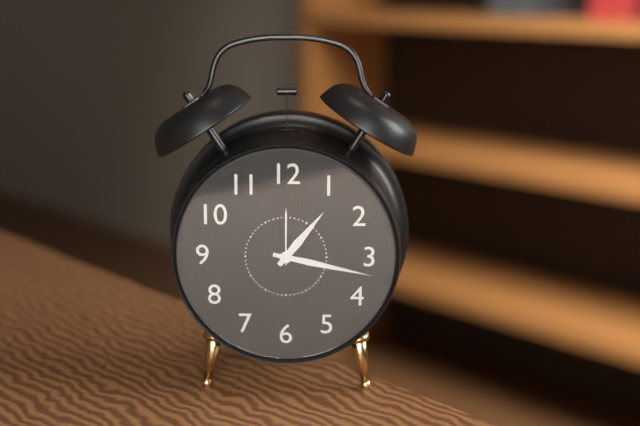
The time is **1:17**
